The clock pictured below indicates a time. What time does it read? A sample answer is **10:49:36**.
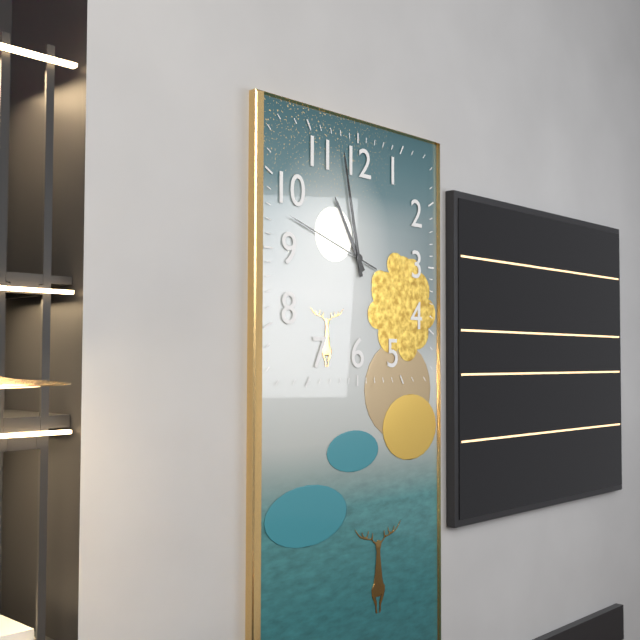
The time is **10:58:48**
